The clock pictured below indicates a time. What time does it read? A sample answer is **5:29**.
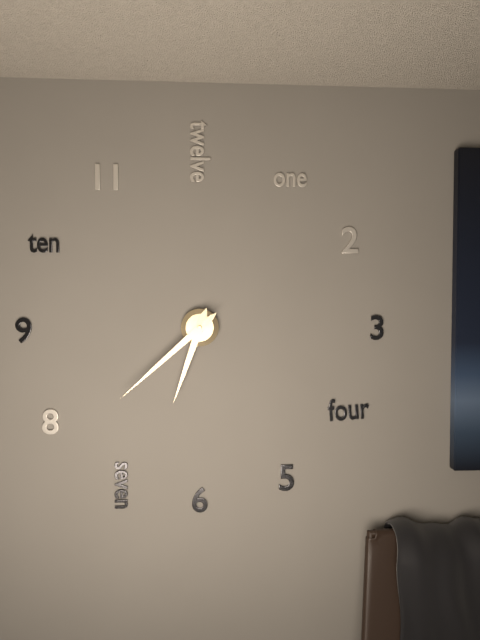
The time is **6:38**
